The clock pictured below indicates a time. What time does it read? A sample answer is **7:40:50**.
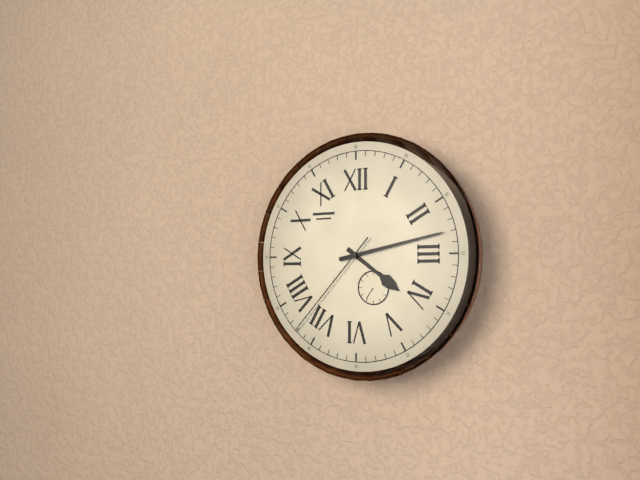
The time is **4:13:37**
